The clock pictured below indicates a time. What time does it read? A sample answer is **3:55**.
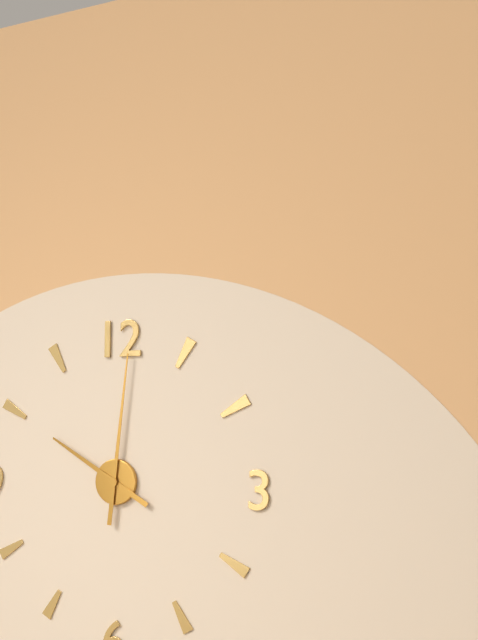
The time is **10:01**
